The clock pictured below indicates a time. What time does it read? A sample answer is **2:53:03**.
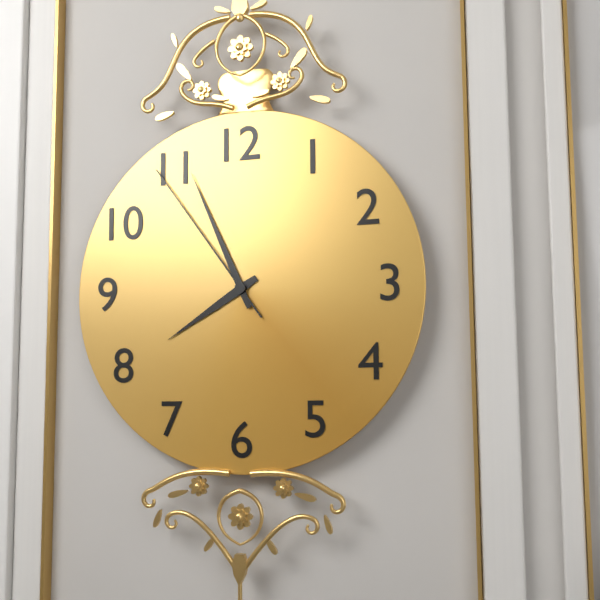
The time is **7:56:54**
